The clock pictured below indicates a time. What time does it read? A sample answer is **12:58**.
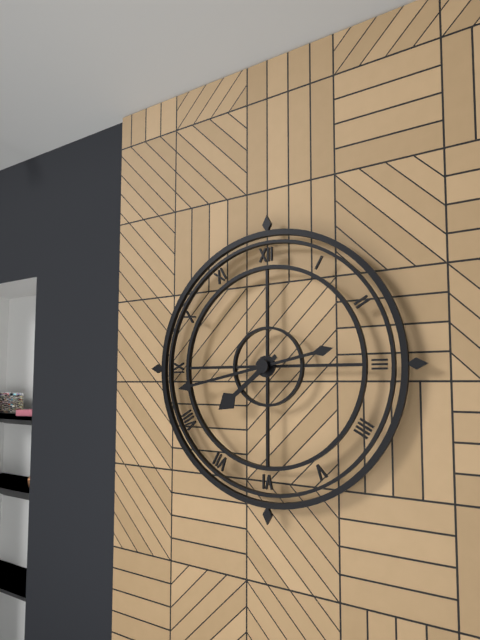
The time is **7:43**
